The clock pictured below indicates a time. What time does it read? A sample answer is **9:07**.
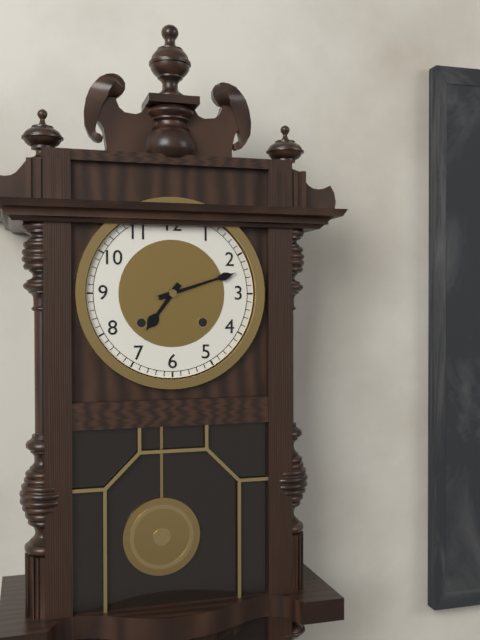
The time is **7:12**
